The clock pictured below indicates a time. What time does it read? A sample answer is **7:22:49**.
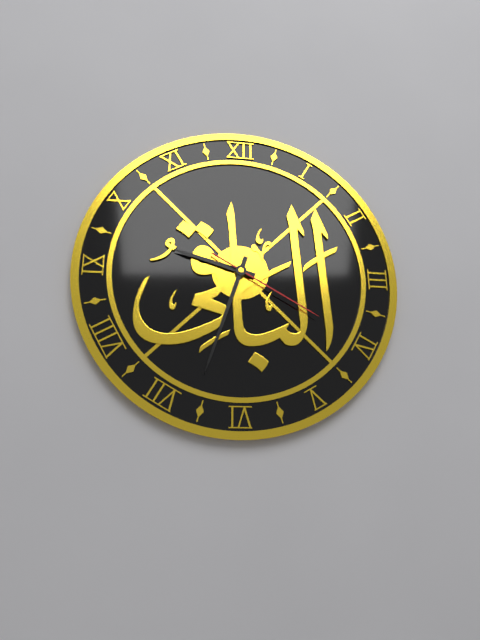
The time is **9:33:20**
